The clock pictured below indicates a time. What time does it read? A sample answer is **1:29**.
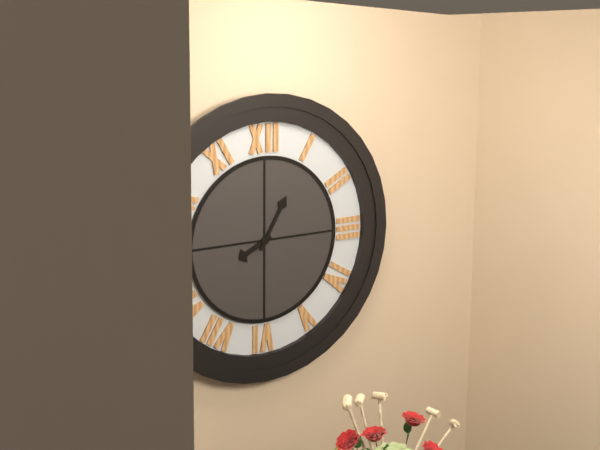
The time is **8:05**
